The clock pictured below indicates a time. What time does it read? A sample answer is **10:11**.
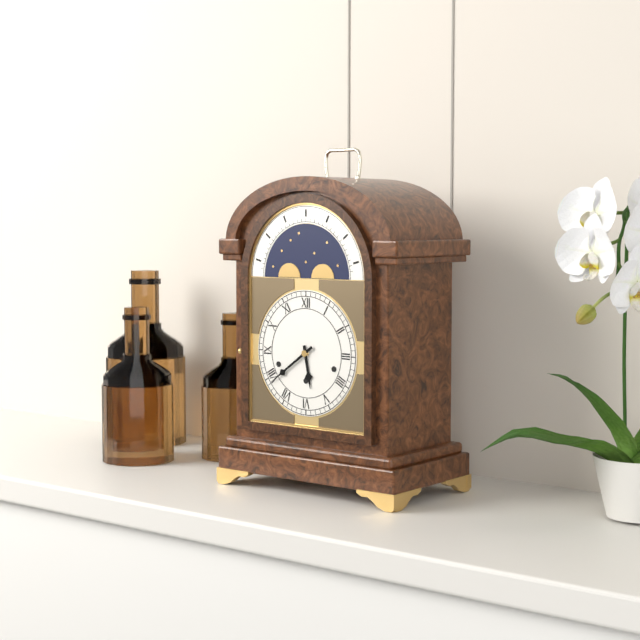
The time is **5:39**
